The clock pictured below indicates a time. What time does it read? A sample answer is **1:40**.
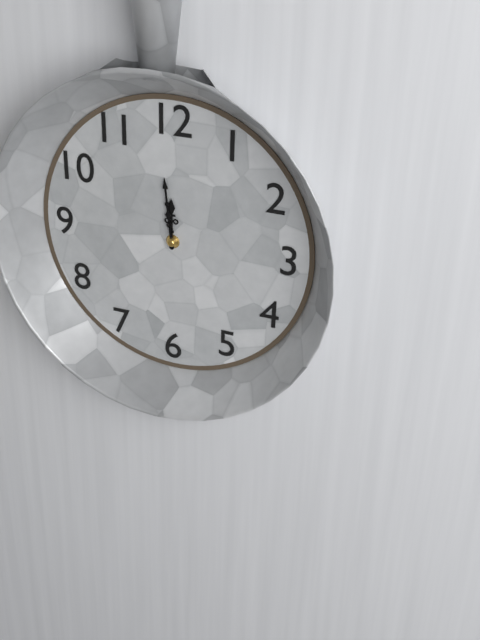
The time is **11:59**
